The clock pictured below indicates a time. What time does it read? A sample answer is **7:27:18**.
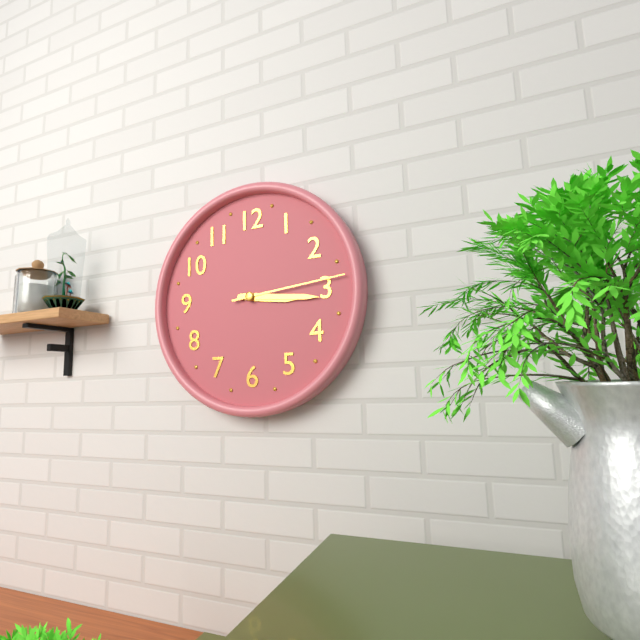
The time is **3:16:14**
